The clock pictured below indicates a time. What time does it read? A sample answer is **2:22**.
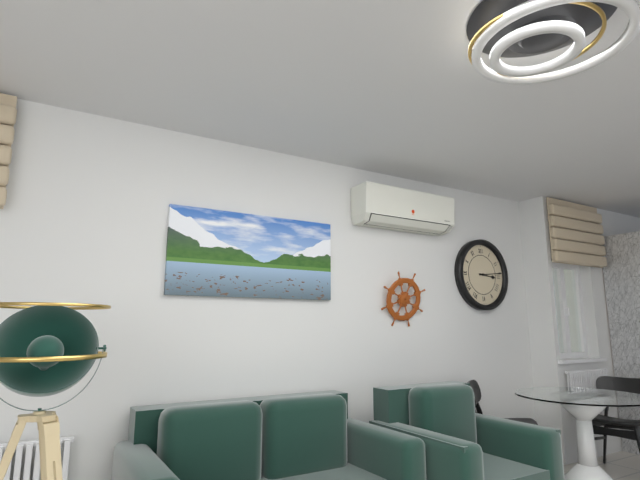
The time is **3:14**
